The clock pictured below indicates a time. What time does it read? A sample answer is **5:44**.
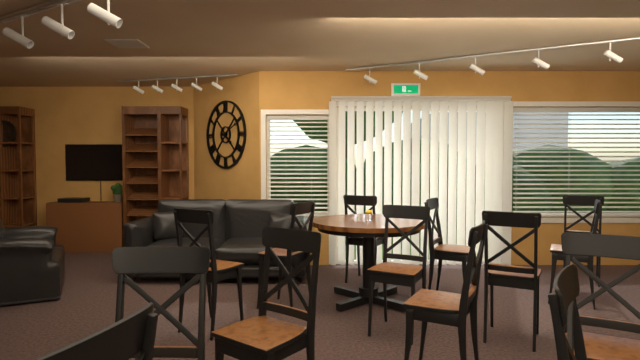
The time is **4:11**
